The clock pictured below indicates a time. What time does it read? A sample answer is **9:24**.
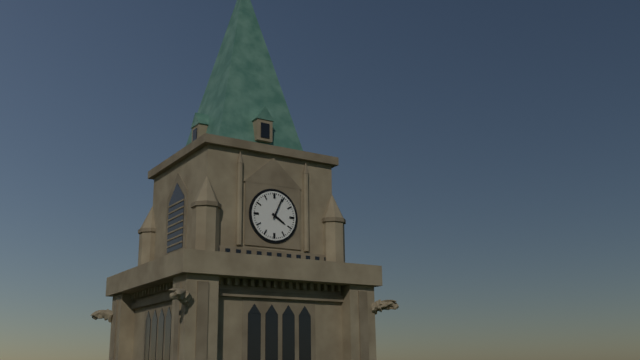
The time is **4:04**
